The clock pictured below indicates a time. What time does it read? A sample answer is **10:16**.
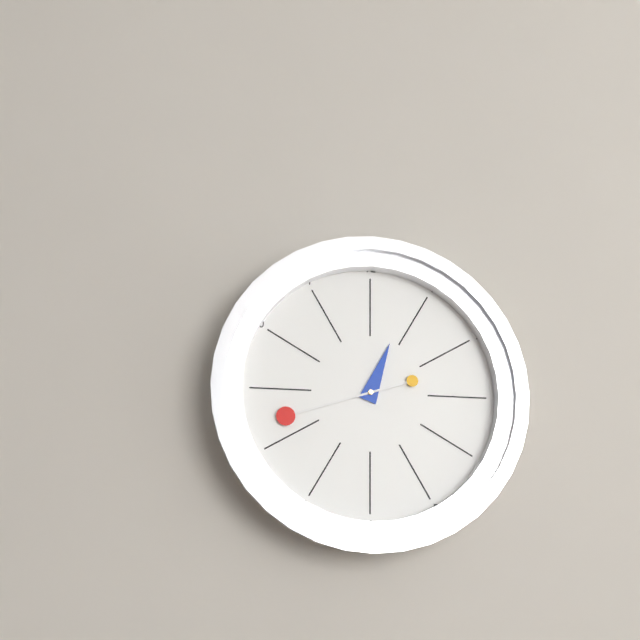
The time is **12:42**
